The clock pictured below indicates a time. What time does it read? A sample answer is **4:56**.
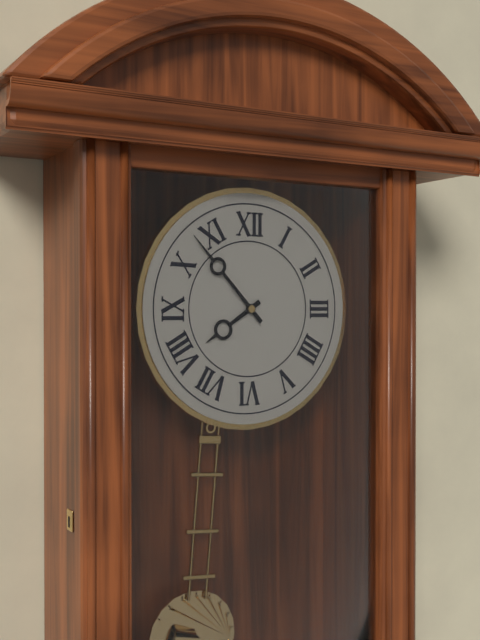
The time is **7:53**
